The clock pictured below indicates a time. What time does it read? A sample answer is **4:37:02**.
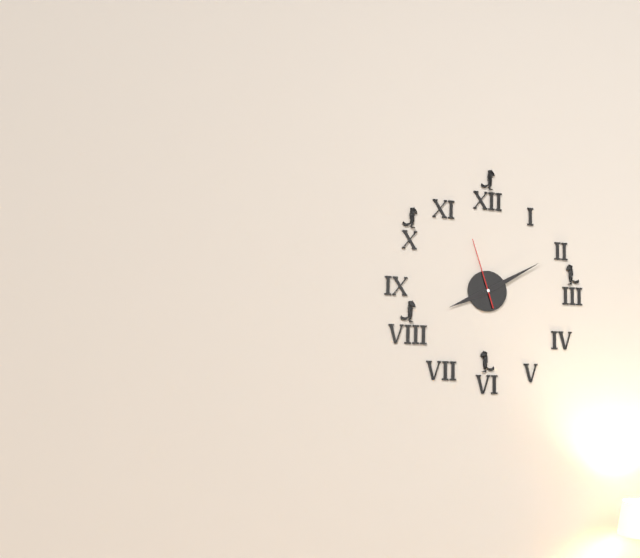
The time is **8:10:57**
